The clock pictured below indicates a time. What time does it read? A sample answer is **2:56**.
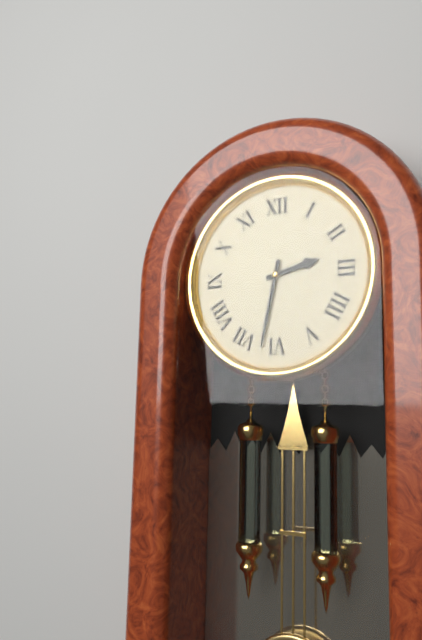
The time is **2:32**
